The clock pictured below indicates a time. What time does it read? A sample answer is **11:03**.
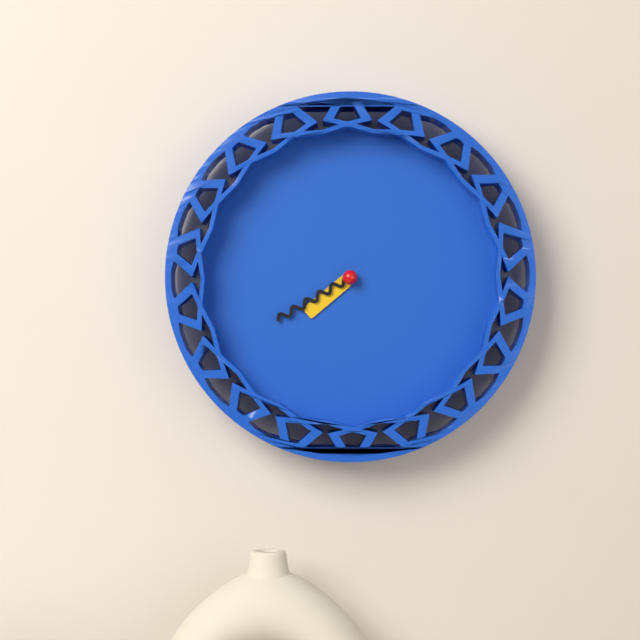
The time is **7:40**
